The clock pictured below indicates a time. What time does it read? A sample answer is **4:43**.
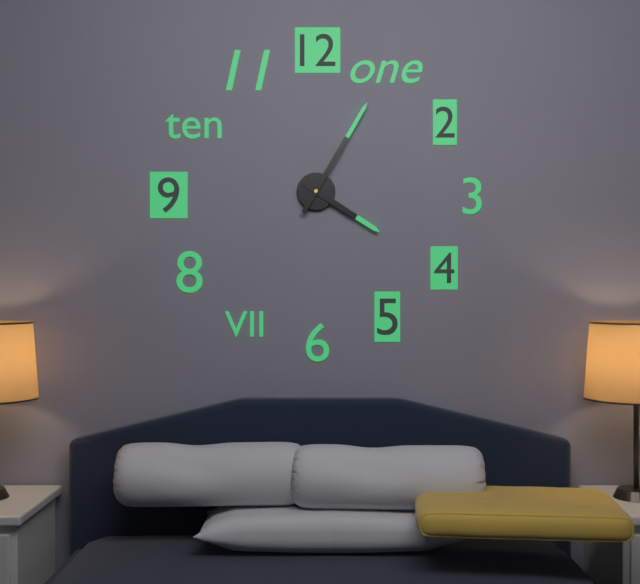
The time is **4:05**
